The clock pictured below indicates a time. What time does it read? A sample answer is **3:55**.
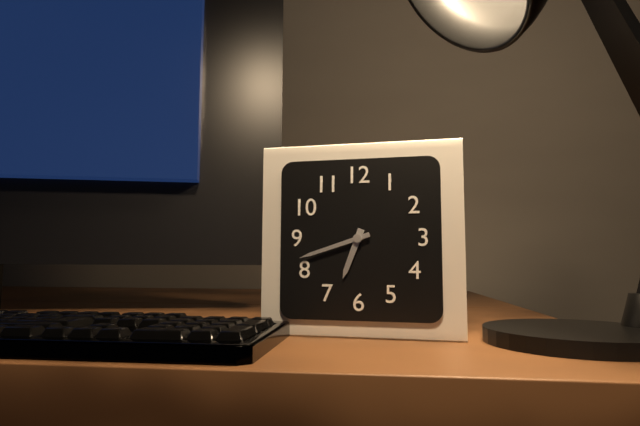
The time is **6:42**
